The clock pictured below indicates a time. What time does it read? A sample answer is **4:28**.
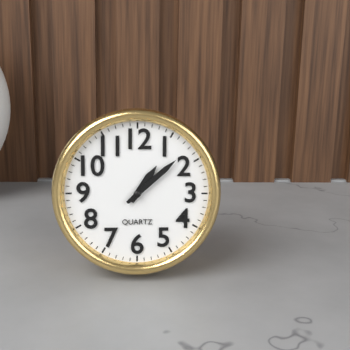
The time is **1:08**
